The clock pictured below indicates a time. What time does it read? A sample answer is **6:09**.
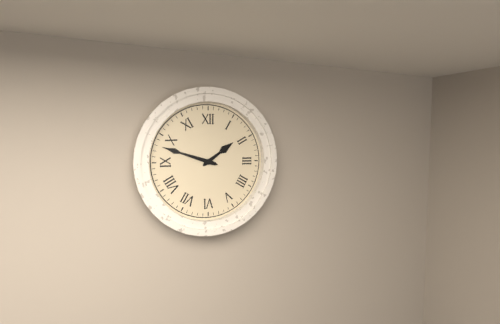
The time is **1:48**
